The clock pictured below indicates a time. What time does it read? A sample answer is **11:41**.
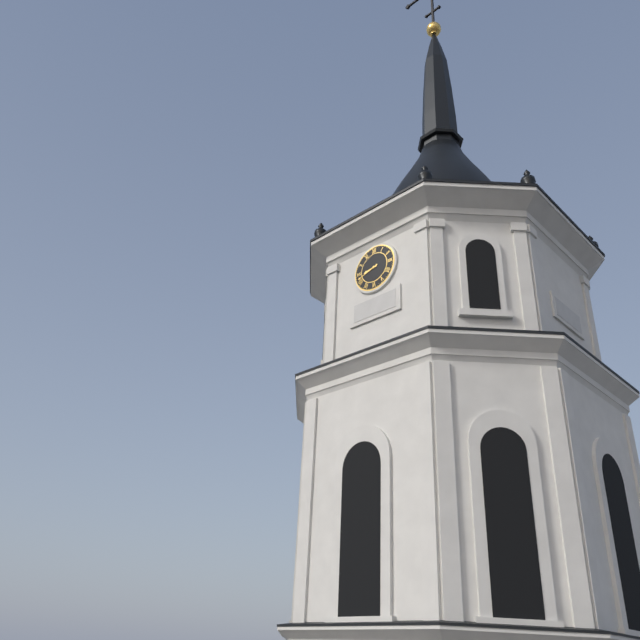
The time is **8:42**
